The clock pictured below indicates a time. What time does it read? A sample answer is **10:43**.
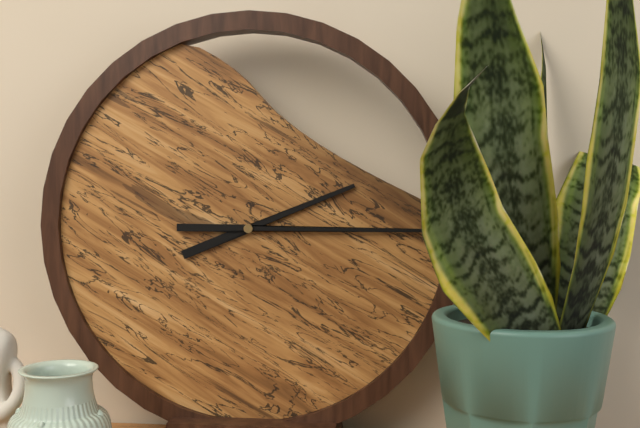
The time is **2:15**
